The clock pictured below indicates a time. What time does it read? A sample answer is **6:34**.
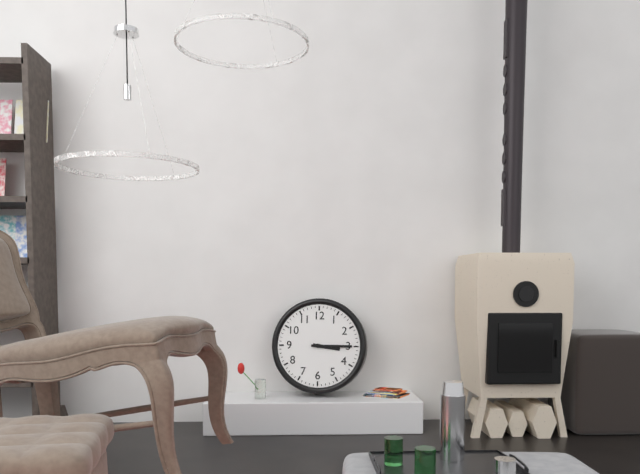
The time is **3:15**
